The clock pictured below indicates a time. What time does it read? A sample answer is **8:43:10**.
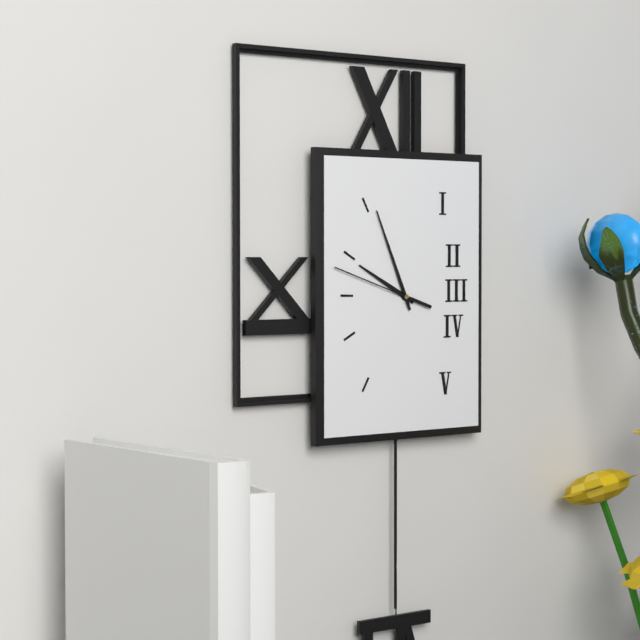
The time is **9:56:48**
